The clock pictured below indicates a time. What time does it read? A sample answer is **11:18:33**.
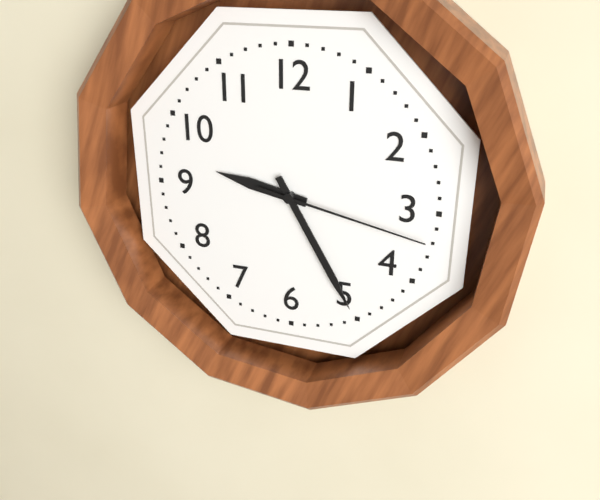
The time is **9:25:17**
